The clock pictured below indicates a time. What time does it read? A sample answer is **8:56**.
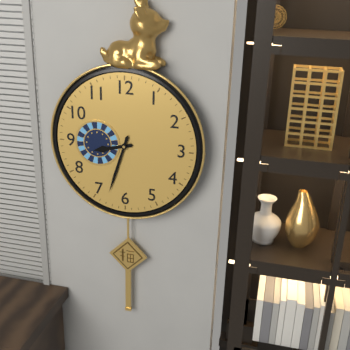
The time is **8:33**
